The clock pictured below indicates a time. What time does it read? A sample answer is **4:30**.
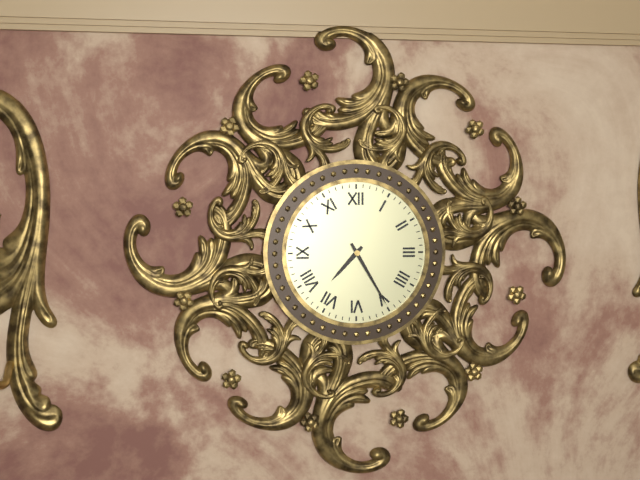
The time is **7:25**
